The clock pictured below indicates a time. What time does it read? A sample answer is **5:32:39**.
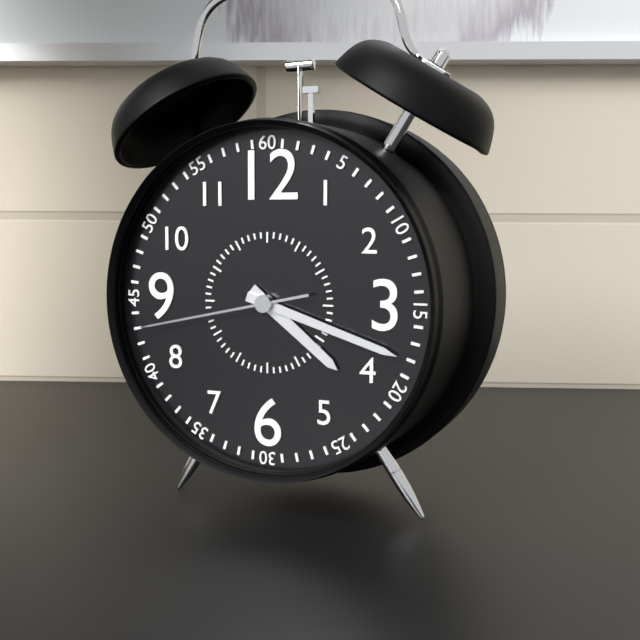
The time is **4:18:43**
